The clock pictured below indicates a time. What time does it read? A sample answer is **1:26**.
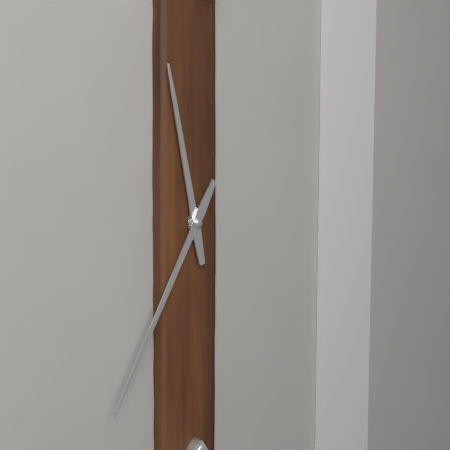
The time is **11:35**
